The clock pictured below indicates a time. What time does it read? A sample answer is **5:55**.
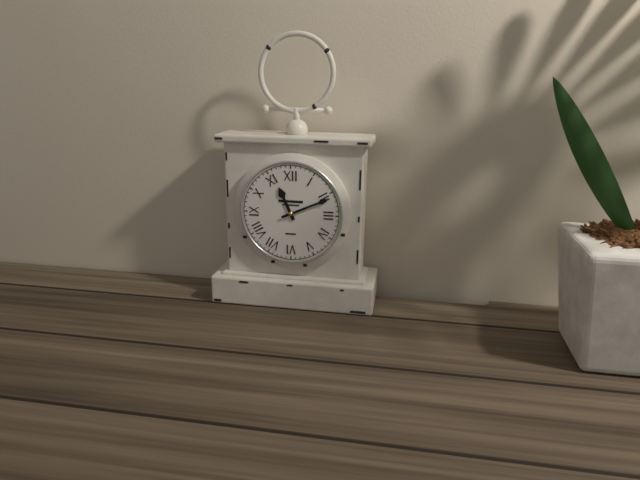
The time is **11:11**
